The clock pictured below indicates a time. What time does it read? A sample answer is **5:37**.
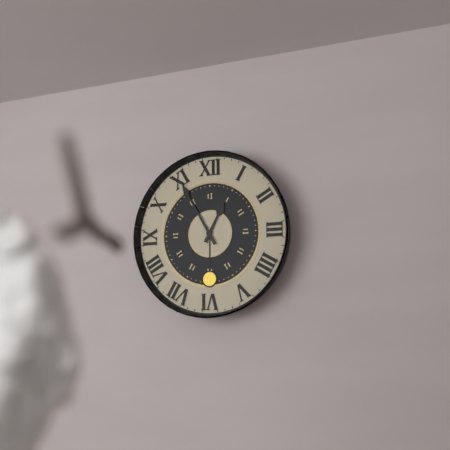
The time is **12:55**
